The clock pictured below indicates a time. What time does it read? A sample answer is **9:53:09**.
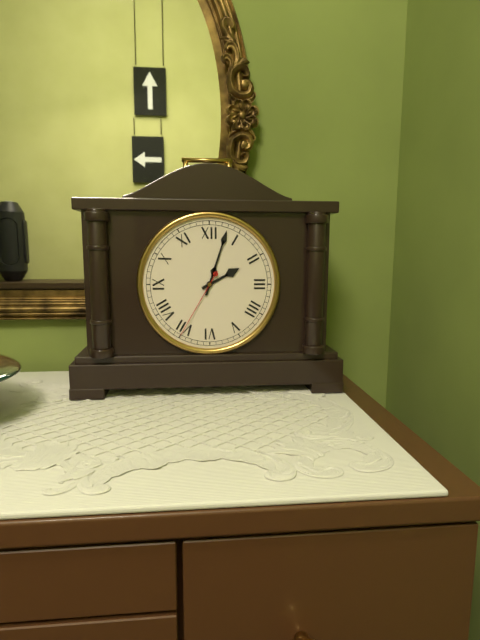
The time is **2:03:35**
